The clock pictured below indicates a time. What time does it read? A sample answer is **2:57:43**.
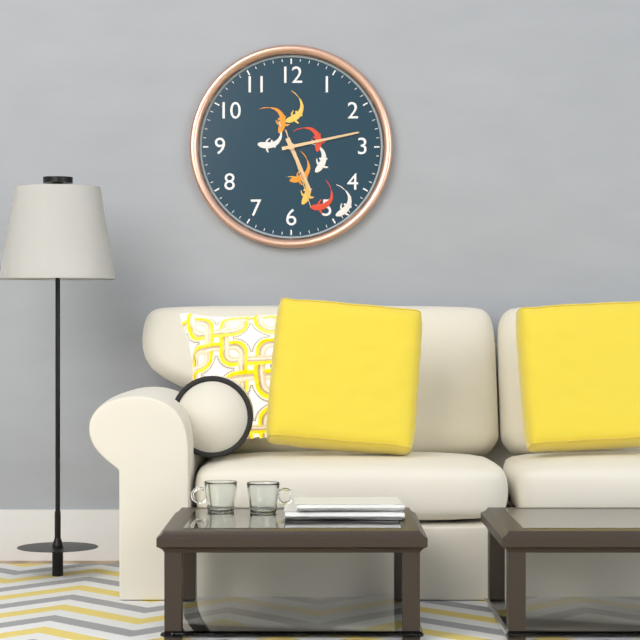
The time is **5:13:27**
